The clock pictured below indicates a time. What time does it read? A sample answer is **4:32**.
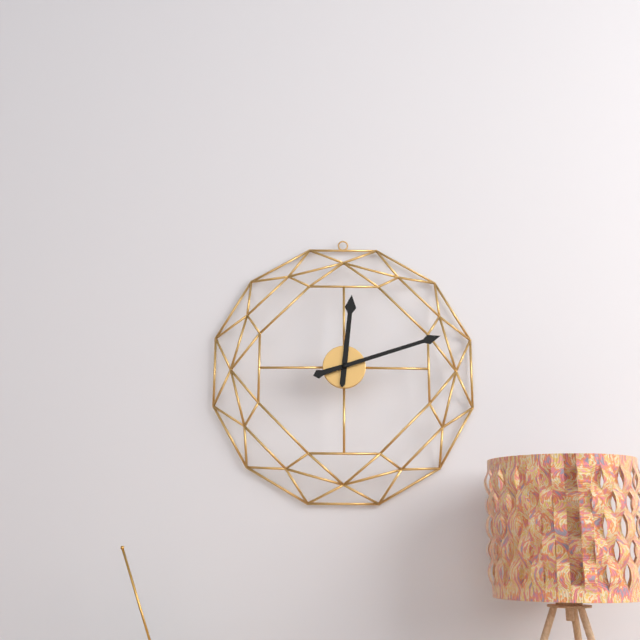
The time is **12:12**
